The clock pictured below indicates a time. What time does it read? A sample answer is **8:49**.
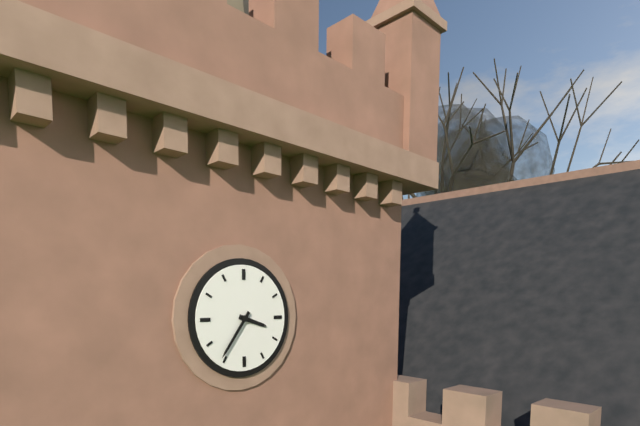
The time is **3:36**
